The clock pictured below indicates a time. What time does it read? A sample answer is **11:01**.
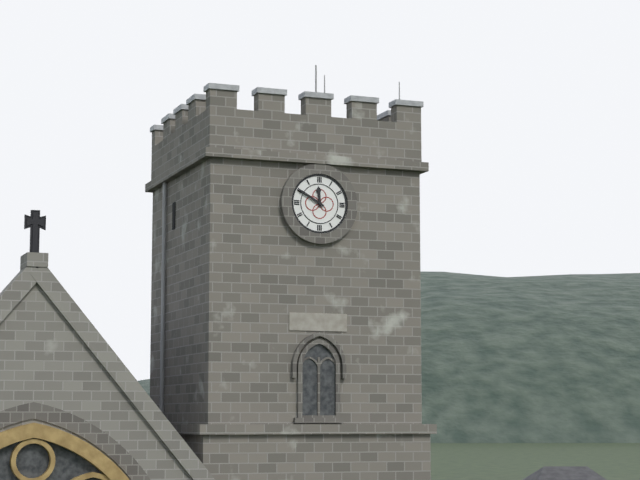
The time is **11:50**
